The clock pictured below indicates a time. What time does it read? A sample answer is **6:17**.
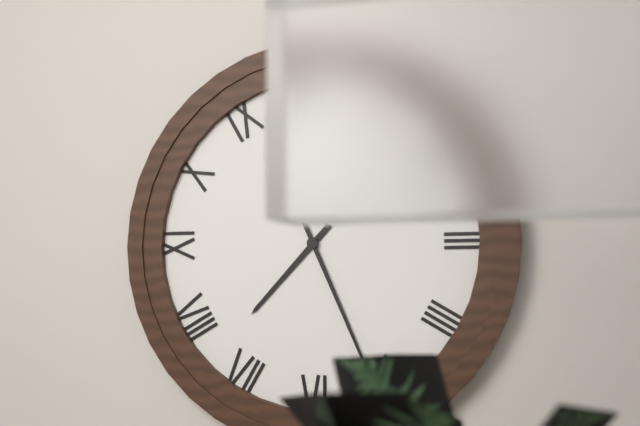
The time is **7:26**
